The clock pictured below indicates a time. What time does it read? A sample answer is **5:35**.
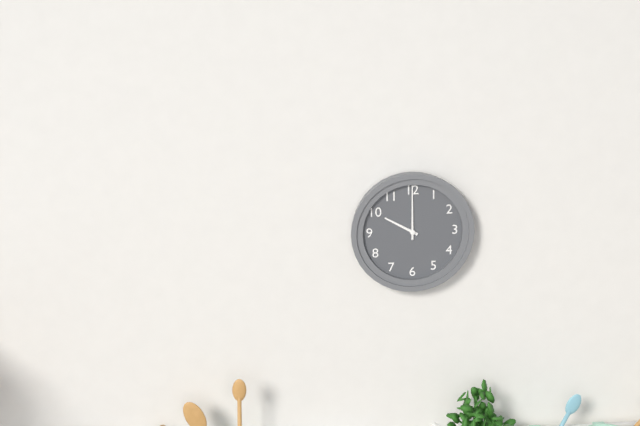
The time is **10:00**
